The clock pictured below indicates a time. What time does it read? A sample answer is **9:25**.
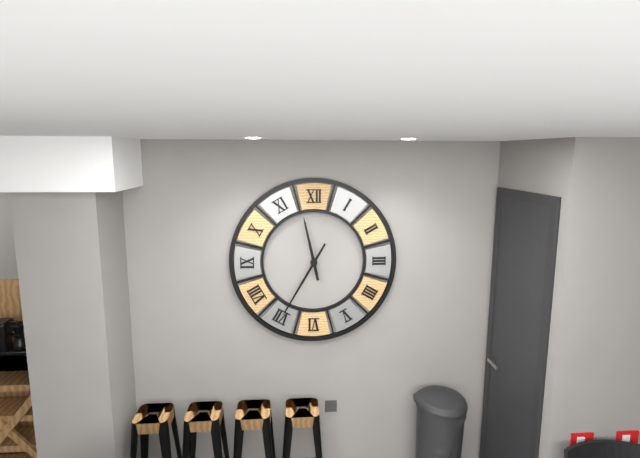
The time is **11:35**
